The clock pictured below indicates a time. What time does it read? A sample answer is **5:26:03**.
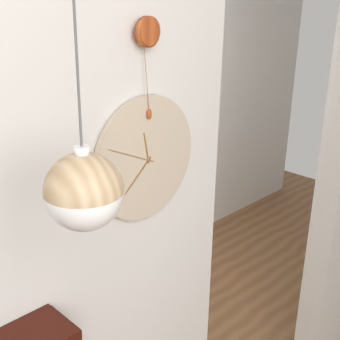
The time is **11:38:49**
